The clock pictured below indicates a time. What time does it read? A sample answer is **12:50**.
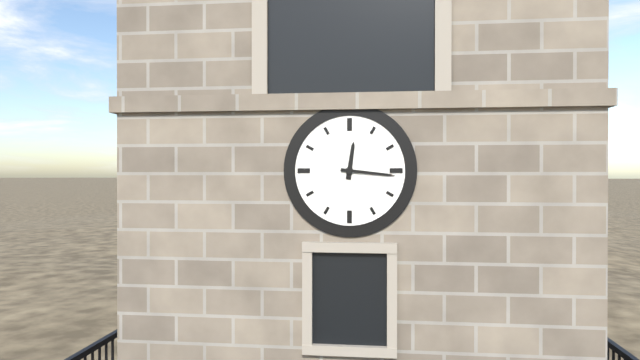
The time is **12:16**
